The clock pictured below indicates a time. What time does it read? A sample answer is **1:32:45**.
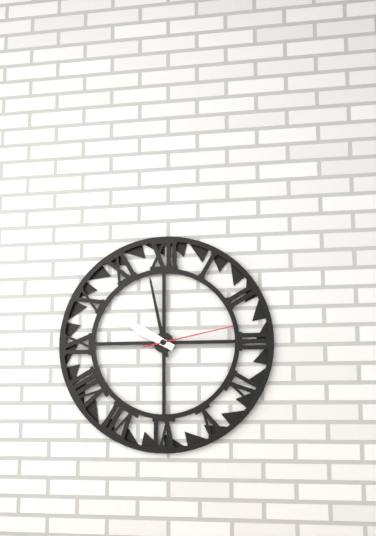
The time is **9:58:13**
